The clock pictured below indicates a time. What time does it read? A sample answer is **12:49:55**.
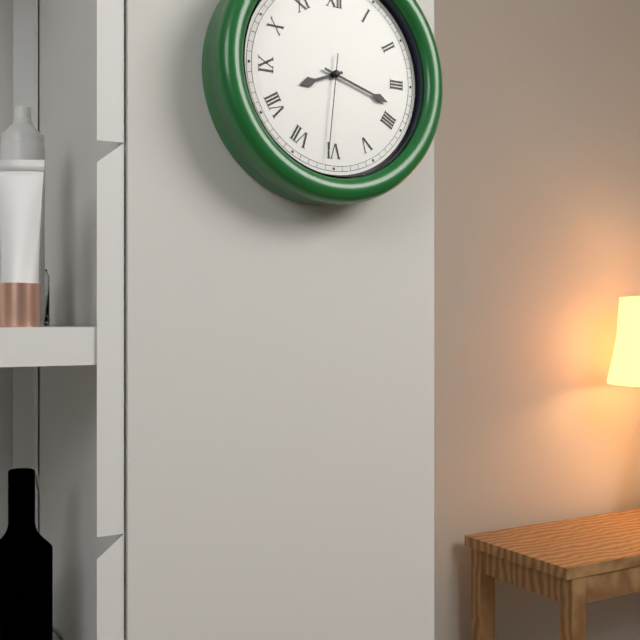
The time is **8:18:31**
